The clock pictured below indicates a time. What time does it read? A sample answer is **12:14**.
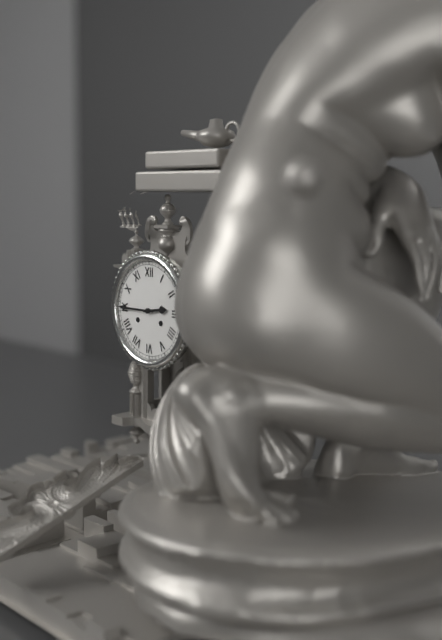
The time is **2:45**
